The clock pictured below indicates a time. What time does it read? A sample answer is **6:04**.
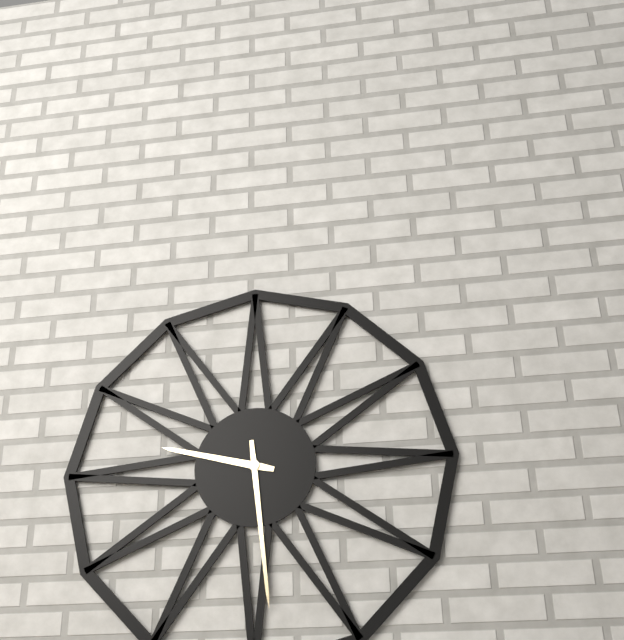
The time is **9:29**
